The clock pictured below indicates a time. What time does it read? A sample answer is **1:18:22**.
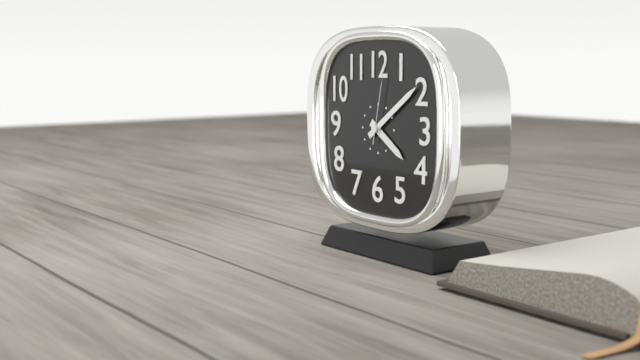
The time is **4:09:02**
